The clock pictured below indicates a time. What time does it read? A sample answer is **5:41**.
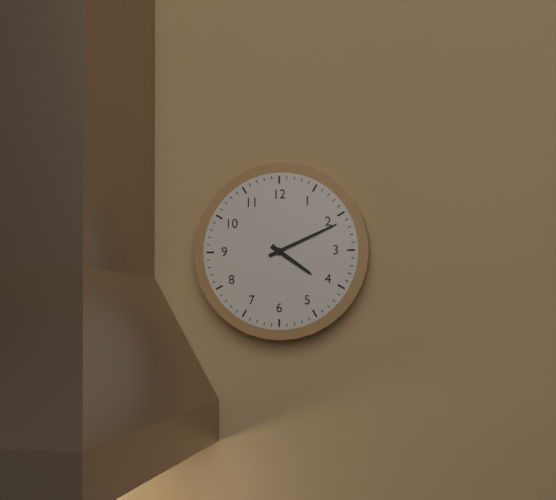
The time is **4:11**
